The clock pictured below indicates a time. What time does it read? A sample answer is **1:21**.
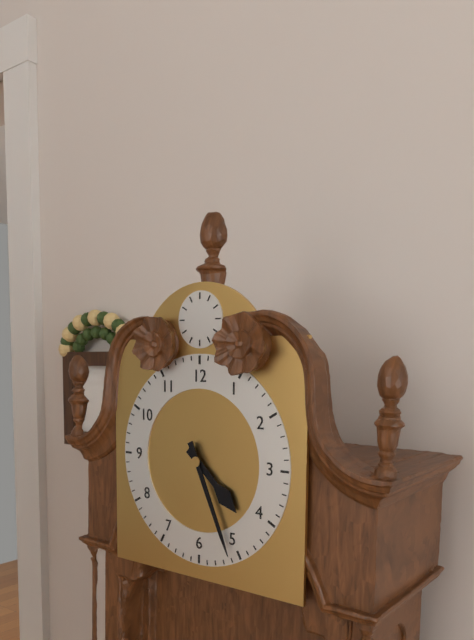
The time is **4:26**
